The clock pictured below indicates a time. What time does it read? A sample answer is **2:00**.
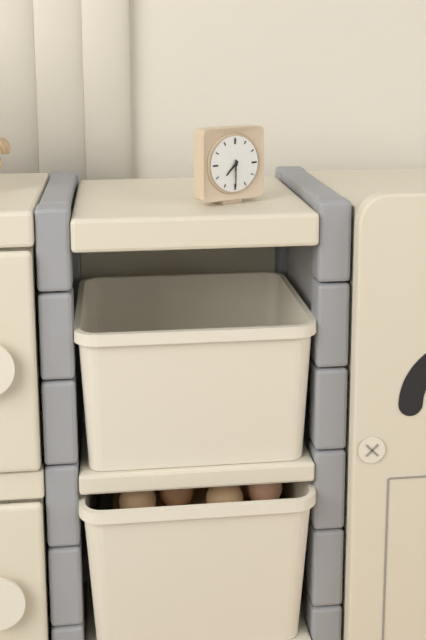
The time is **7:30**
